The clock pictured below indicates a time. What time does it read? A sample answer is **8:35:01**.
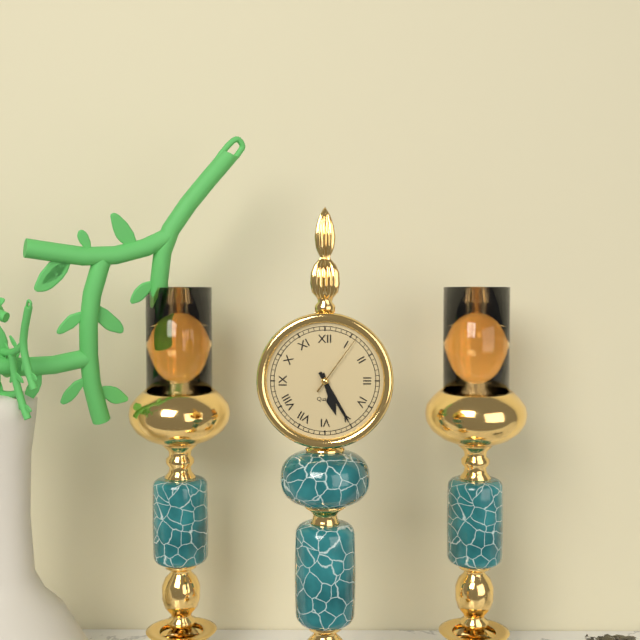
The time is **5:25:06**
